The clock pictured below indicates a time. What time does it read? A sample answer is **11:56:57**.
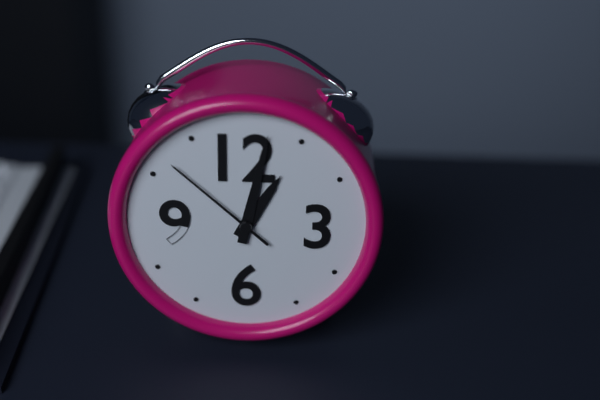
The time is **1:02:52**
